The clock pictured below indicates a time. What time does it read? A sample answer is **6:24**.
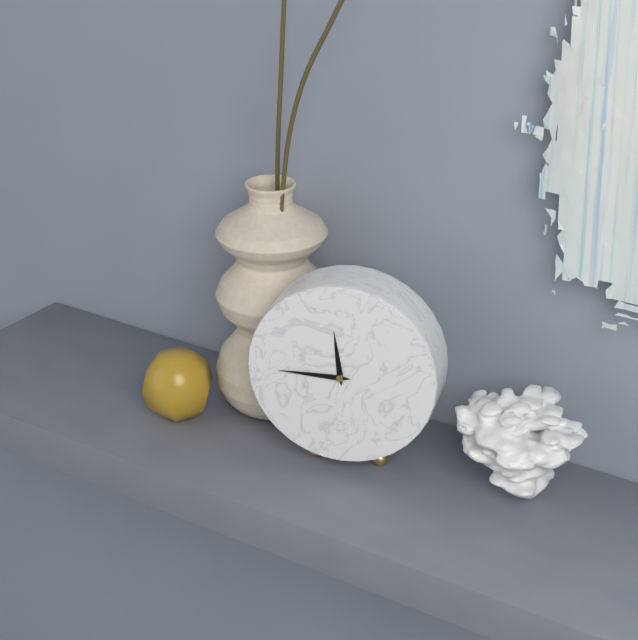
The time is **11:45**
